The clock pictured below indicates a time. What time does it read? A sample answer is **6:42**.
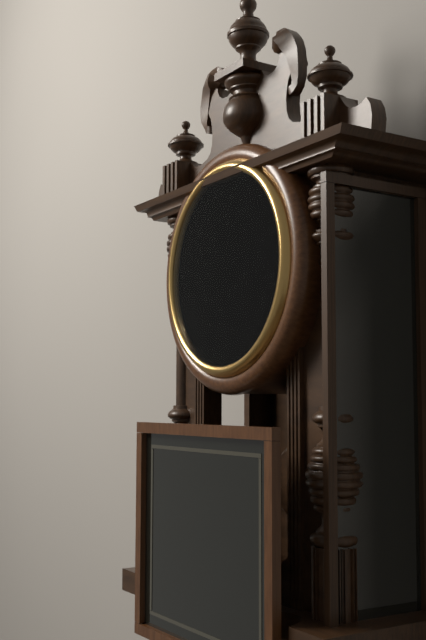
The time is **1:10**
